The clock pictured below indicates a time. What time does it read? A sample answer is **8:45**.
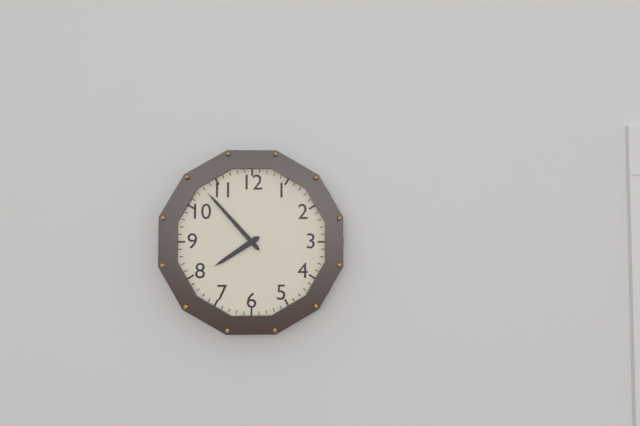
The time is **7:53**
